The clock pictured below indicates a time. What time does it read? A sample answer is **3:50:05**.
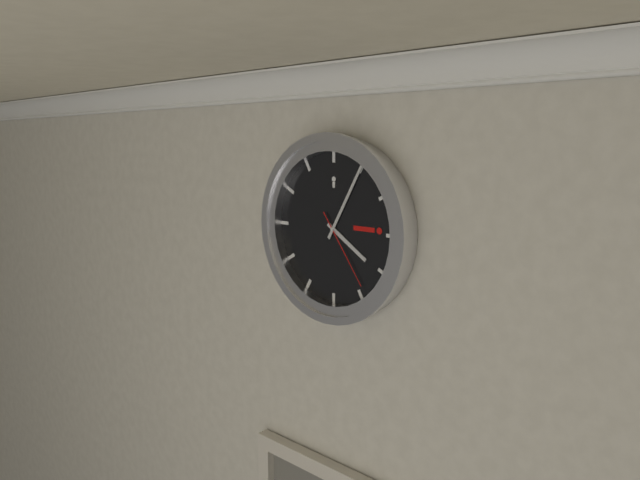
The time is **4:05:24**
